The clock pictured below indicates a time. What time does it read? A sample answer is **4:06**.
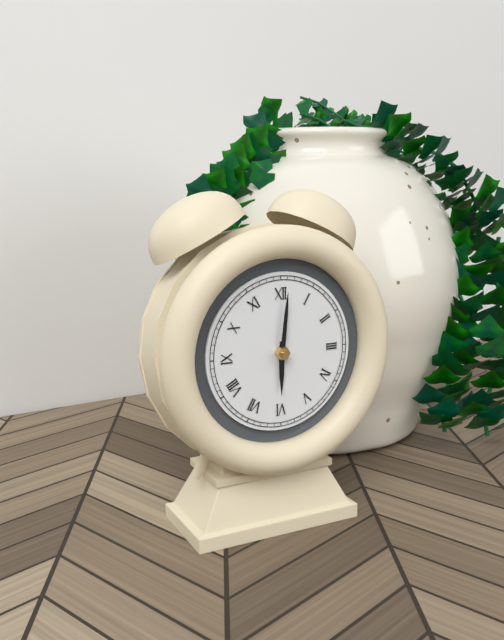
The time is **6:01**
